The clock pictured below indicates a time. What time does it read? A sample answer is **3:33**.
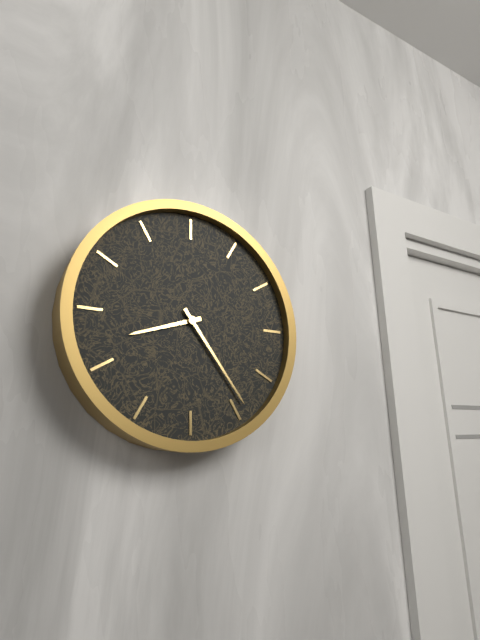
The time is **8:24**
